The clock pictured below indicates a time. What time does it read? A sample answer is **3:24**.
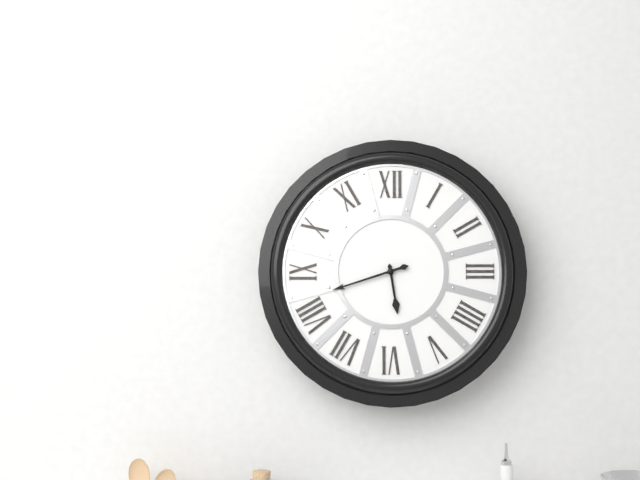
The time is **5:42**
